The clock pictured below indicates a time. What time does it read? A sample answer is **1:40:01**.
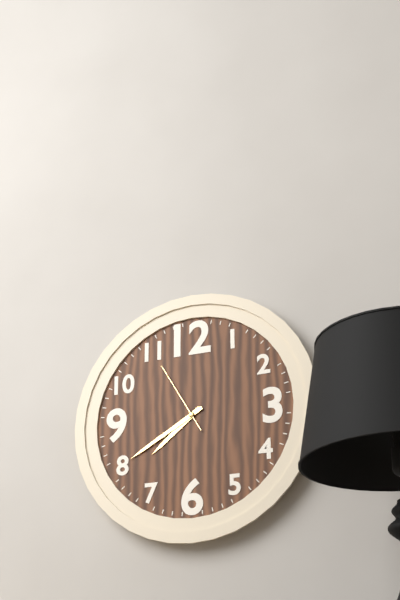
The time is **7:40:55**
